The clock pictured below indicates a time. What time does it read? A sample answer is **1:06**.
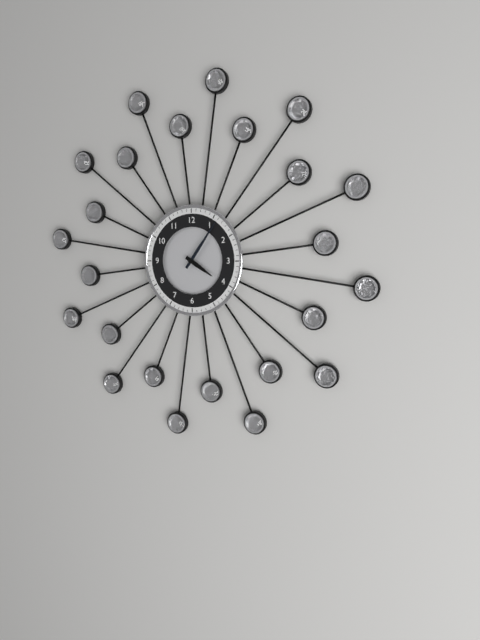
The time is **4:06**
